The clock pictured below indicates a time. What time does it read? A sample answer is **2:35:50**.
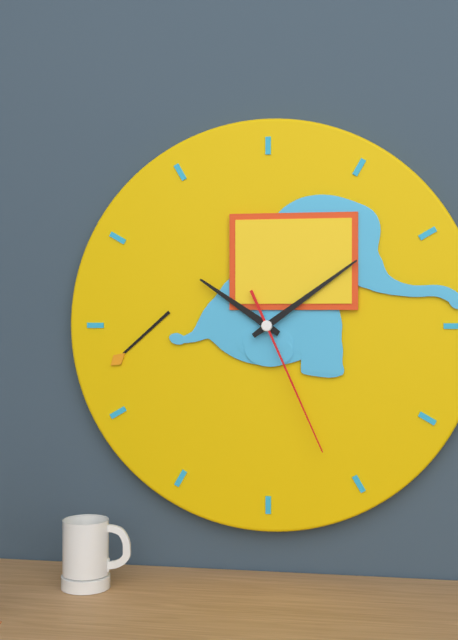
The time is **10:09:26**
